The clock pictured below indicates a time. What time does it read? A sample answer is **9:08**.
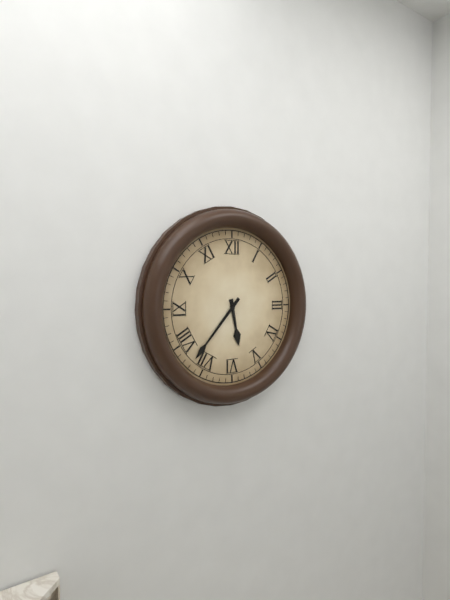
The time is **5:37**
